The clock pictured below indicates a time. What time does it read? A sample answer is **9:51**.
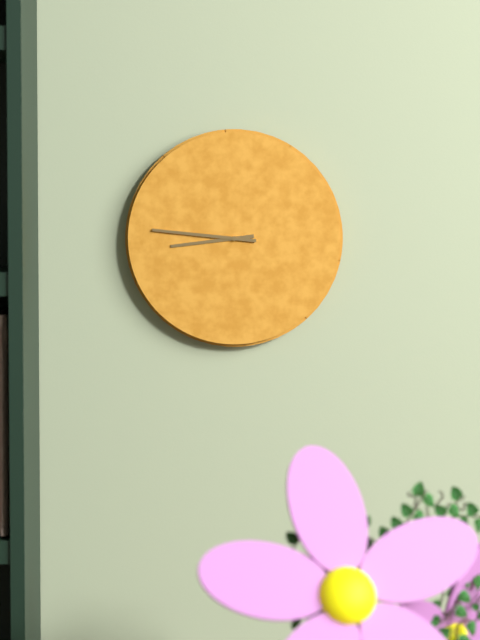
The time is **8:46**
